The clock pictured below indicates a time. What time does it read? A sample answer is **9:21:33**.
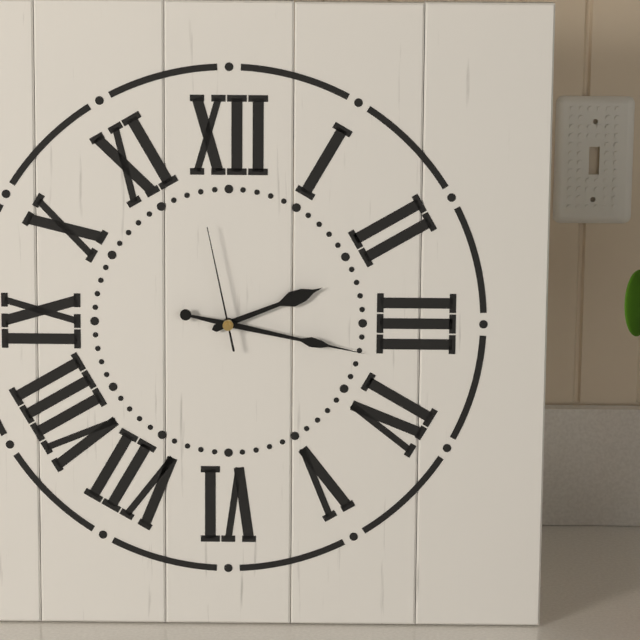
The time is **2:17:58**
